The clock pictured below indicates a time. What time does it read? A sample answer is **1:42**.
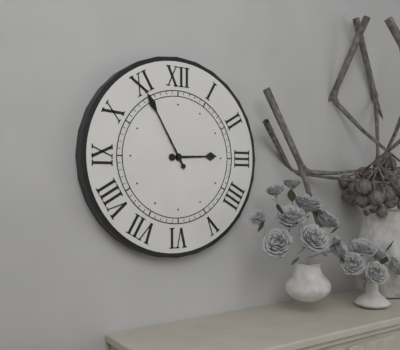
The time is **2:55**
